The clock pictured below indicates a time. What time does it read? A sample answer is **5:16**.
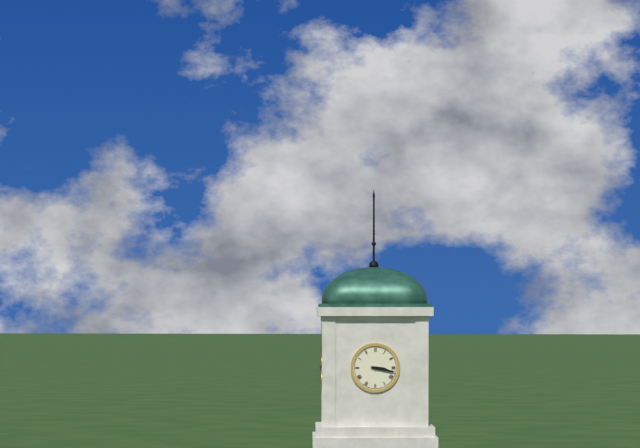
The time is **3:17**
